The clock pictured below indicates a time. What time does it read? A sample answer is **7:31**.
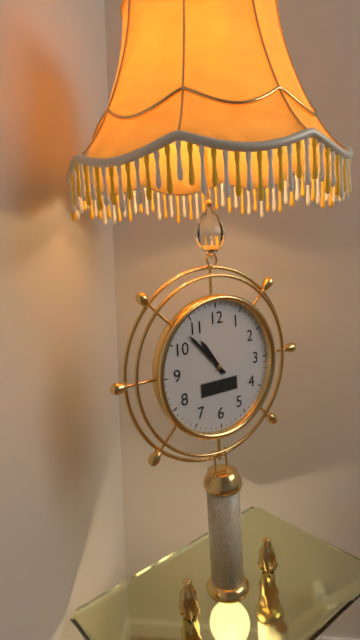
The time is **10:53**
